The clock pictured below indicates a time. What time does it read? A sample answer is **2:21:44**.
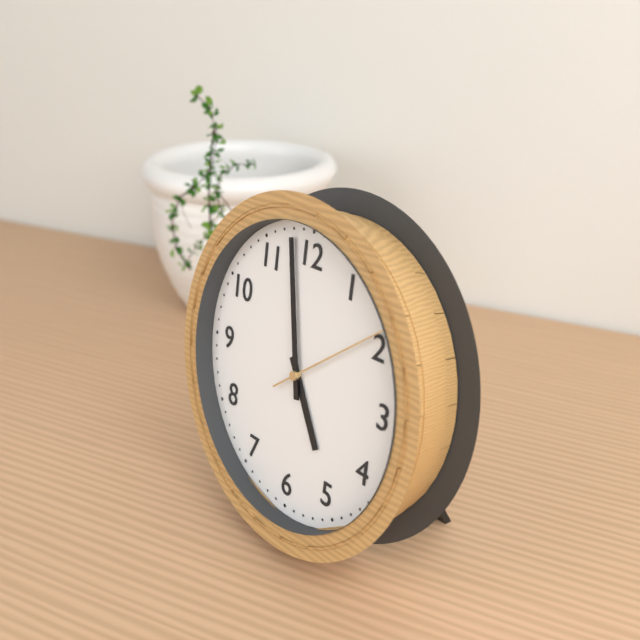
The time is **4:58:09**
